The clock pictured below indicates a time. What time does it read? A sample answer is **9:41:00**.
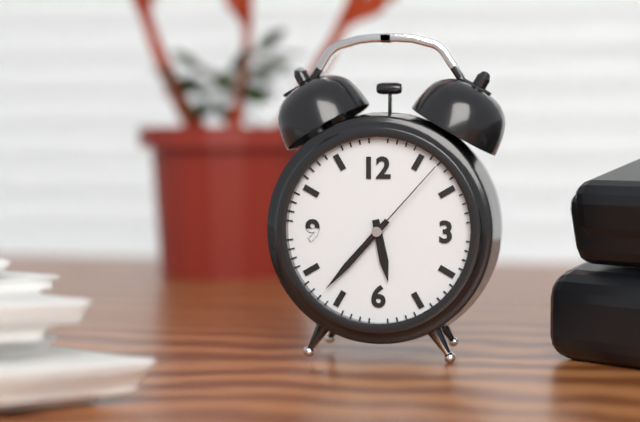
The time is **5:37:07**
